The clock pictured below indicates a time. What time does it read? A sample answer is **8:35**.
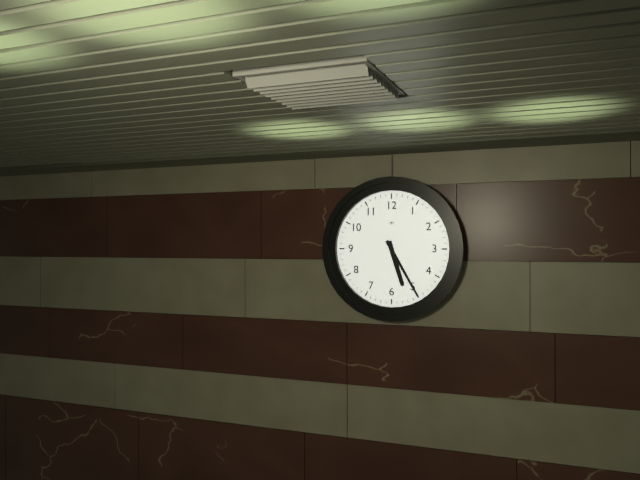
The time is **5:25**
